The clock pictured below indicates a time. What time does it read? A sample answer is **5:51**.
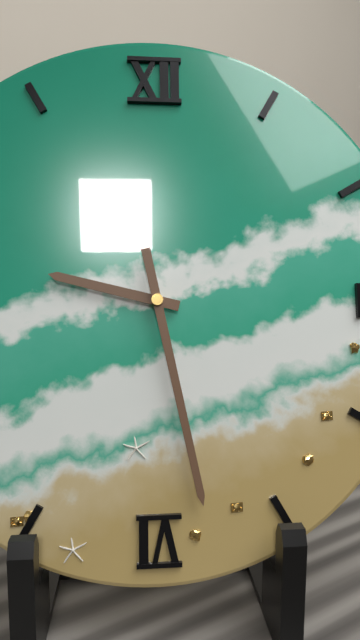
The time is **9:28**
